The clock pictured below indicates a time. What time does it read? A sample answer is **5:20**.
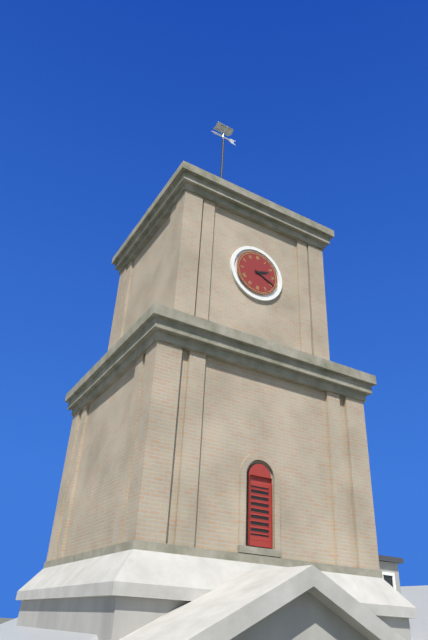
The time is **2:19**
